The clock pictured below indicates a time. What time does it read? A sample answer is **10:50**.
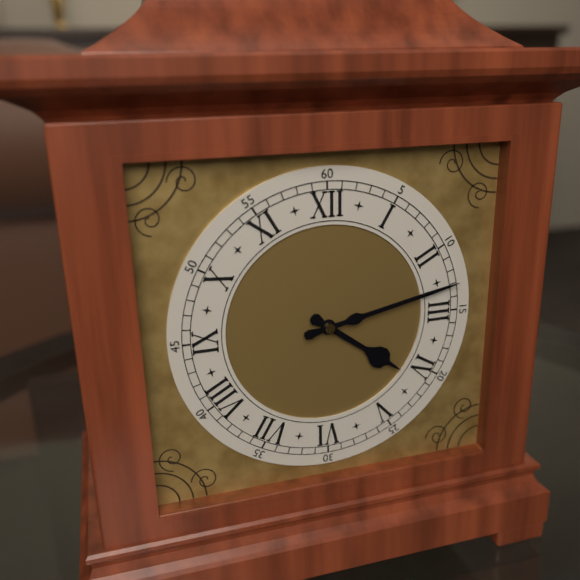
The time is **4:13**
